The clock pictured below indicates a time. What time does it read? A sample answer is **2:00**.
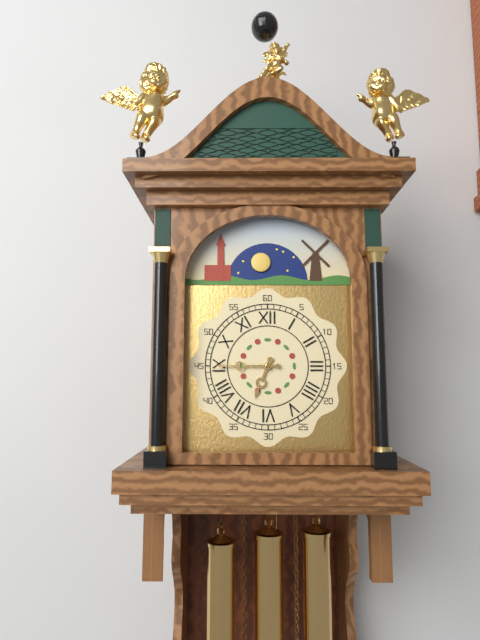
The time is **6:45**
